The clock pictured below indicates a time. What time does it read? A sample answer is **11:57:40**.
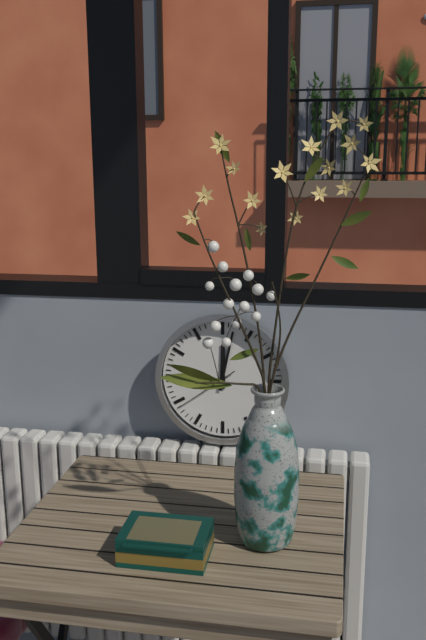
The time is **12:02:39**
